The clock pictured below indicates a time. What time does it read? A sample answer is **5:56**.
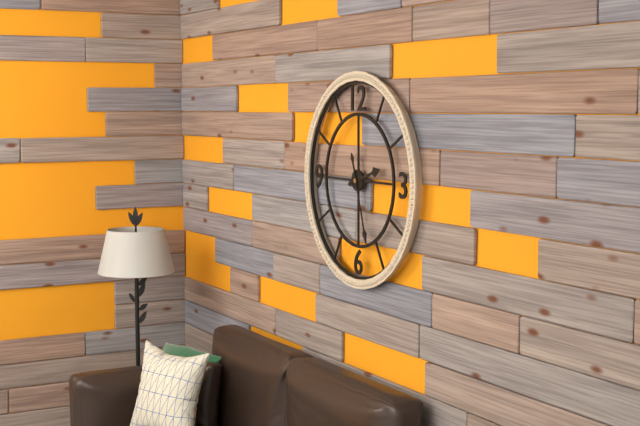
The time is **2:27**
